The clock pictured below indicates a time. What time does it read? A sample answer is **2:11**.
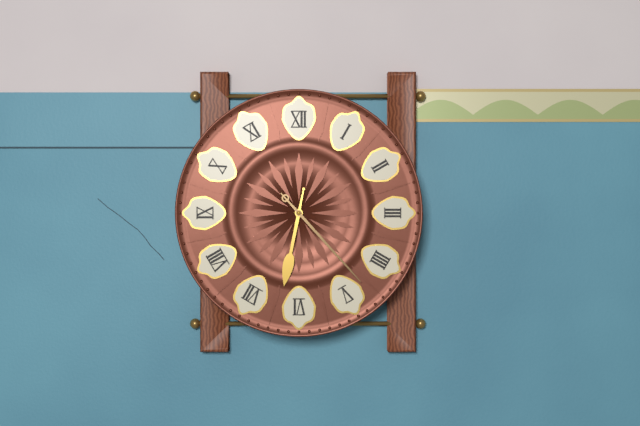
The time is **6:23**
